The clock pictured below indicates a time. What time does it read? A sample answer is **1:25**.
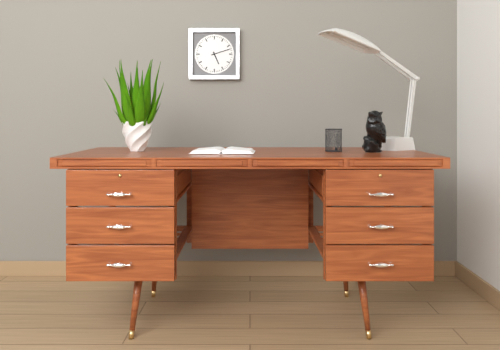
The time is **5:12**
